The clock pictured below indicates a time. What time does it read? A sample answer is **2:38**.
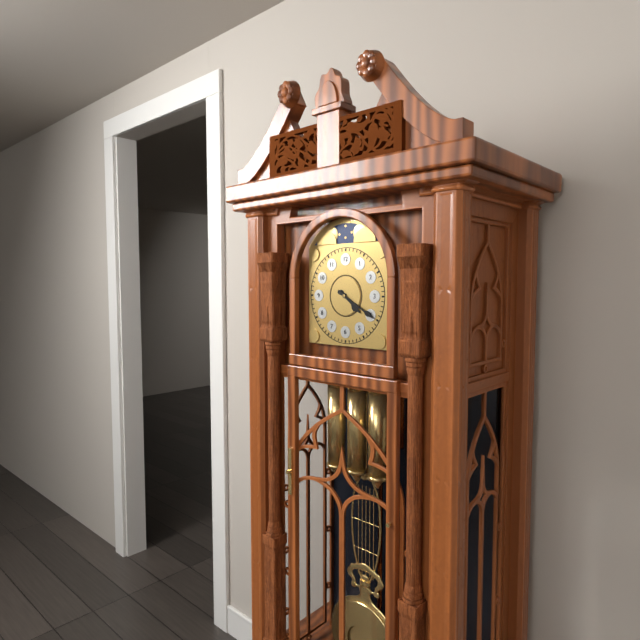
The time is **4:20**
